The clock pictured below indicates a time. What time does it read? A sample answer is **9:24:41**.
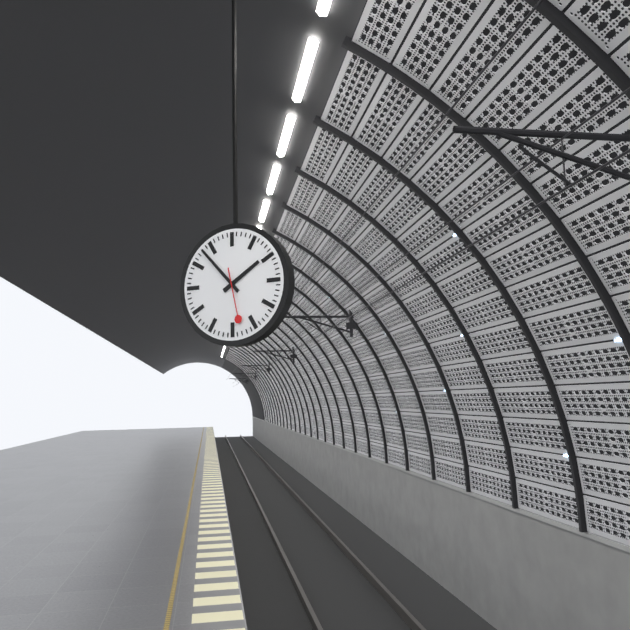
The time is **1:53:28**
